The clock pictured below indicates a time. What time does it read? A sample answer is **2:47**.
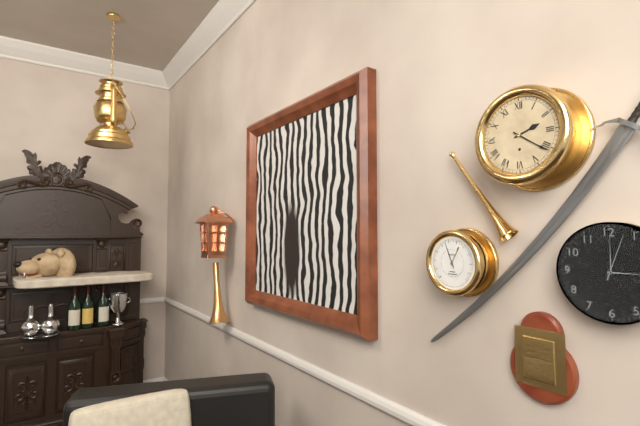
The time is **2:21**
